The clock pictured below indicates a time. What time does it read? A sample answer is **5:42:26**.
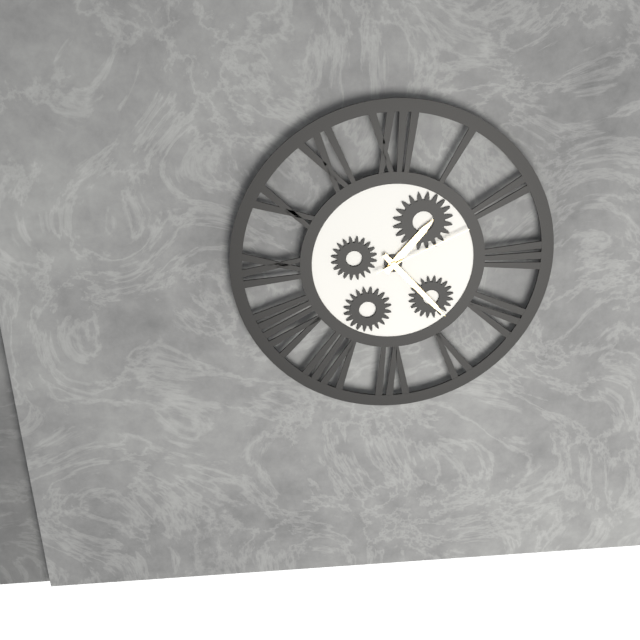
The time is **1:23:11**
